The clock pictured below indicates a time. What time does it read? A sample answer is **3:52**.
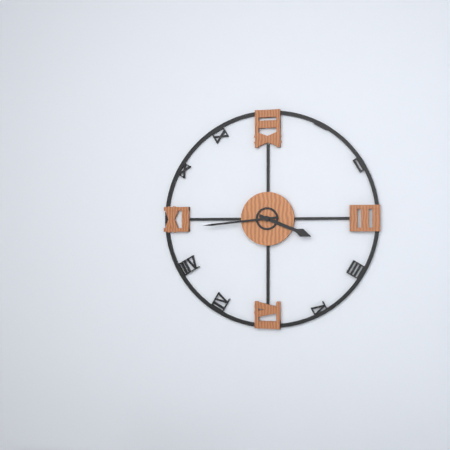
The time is **3:44**
